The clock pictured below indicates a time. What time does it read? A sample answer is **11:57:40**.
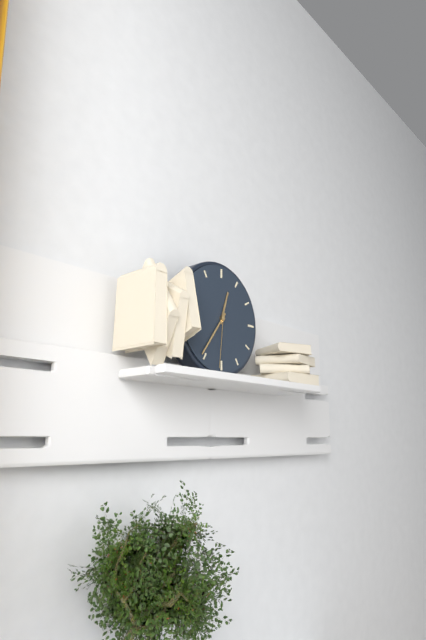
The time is **12:36:31**
